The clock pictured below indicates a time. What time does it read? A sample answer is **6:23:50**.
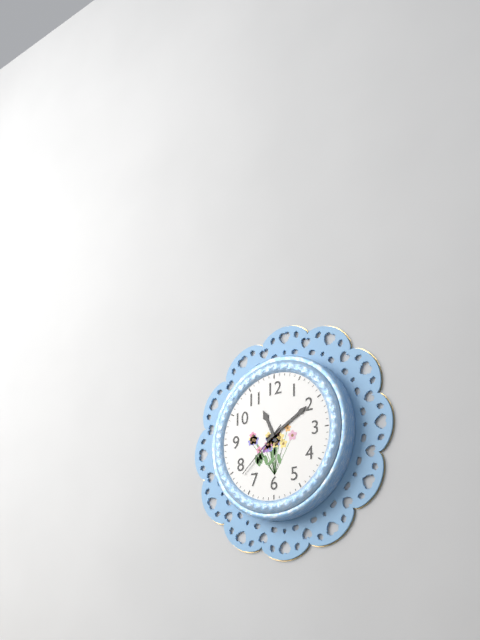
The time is **11:10:38**
